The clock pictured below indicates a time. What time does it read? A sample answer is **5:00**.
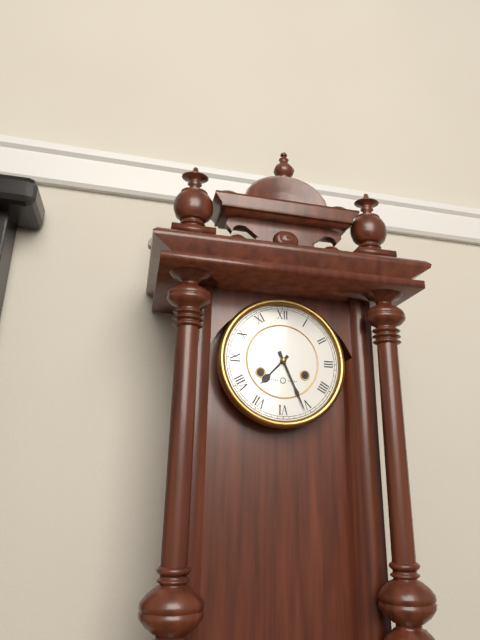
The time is **7:26**
